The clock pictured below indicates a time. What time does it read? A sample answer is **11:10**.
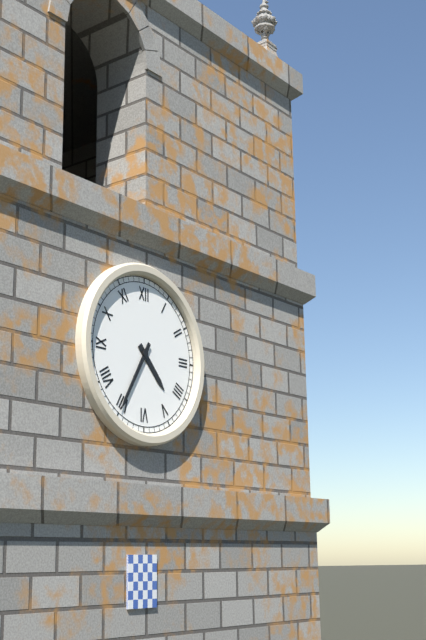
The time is **4:35**
